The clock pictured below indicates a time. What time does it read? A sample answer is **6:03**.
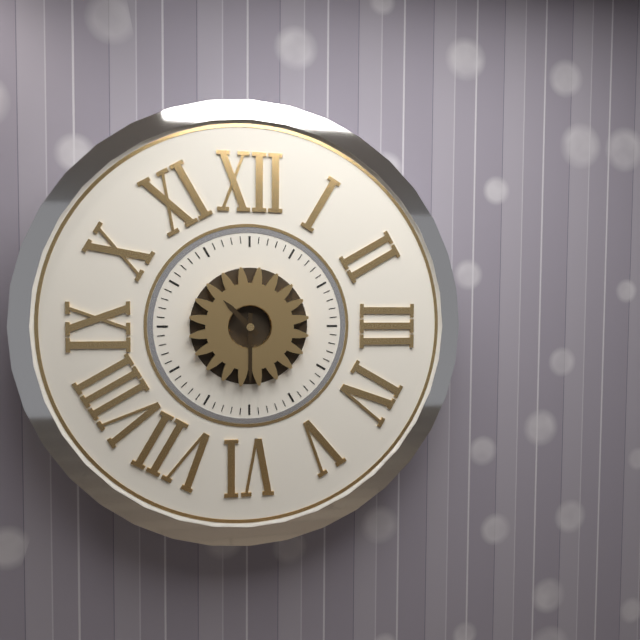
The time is **10:30**
